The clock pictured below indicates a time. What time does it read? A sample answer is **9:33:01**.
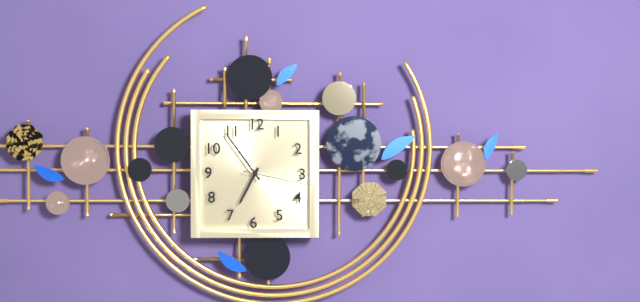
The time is **6:54:17**
